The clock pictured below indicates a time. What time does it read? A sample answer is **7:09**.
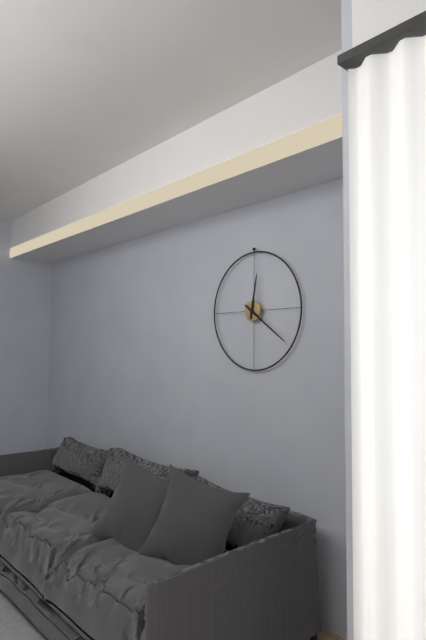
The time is **12:21**
